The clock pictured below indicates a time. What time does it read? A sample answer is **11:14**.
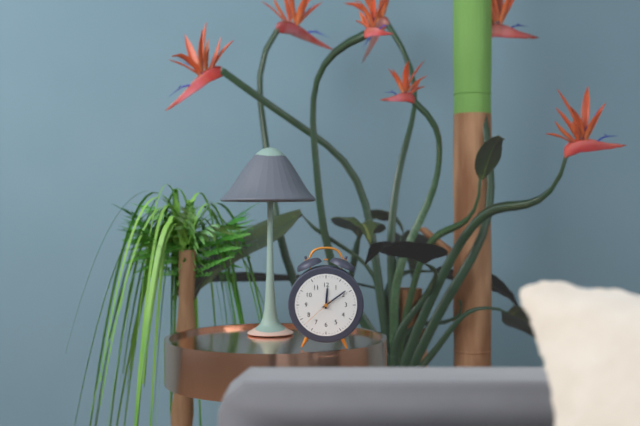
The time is **12:09**
